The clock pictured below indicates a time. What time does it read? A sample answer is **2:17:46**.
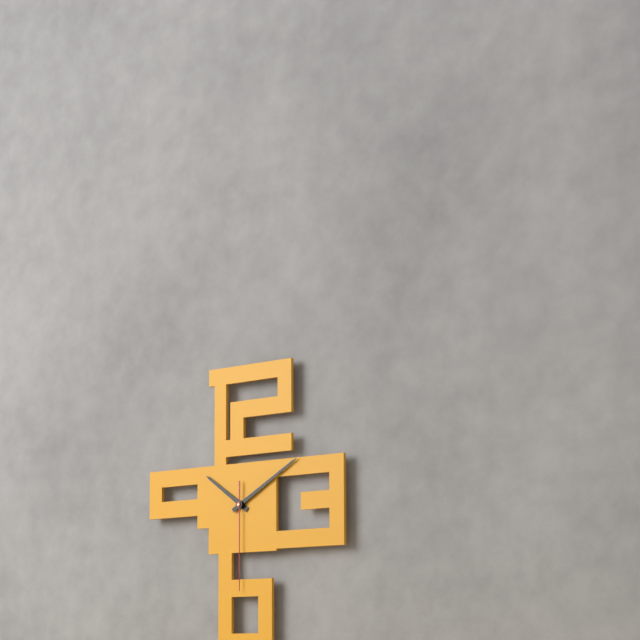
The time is **10:10:30**
